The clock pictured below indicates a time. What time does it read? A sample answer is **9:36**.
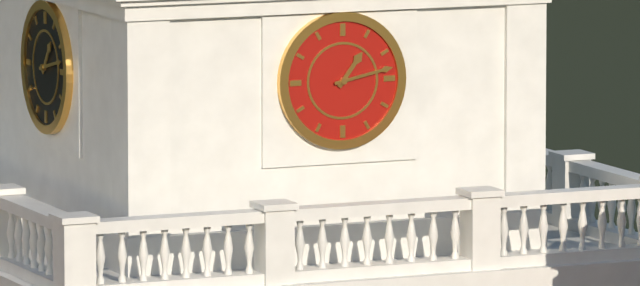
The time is **1:13**
